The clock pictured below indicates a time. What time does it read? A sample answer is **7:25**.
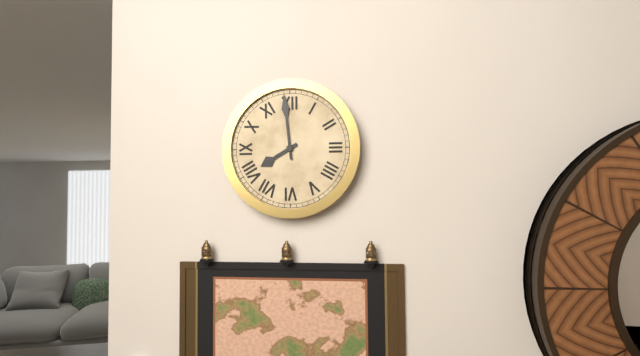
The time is **7:59**
